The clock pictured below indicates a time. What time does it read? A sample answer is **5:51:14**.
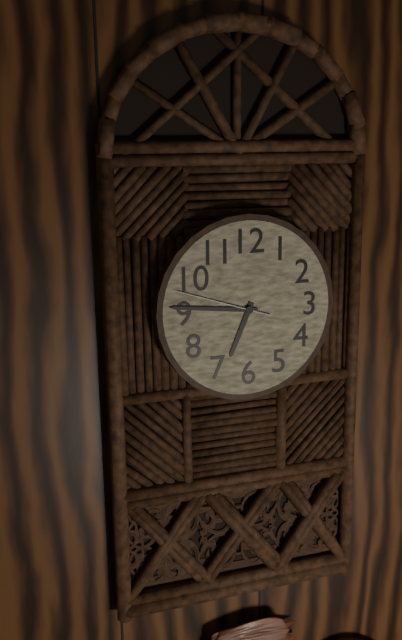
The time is **6:46:48**
